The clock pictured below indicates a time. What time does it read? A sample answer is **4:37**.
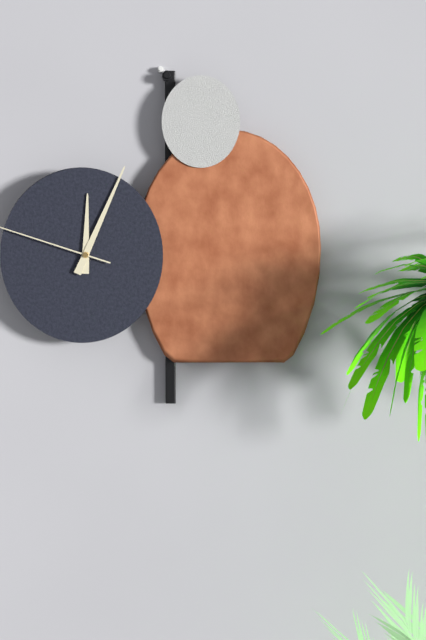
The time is **12:04**
